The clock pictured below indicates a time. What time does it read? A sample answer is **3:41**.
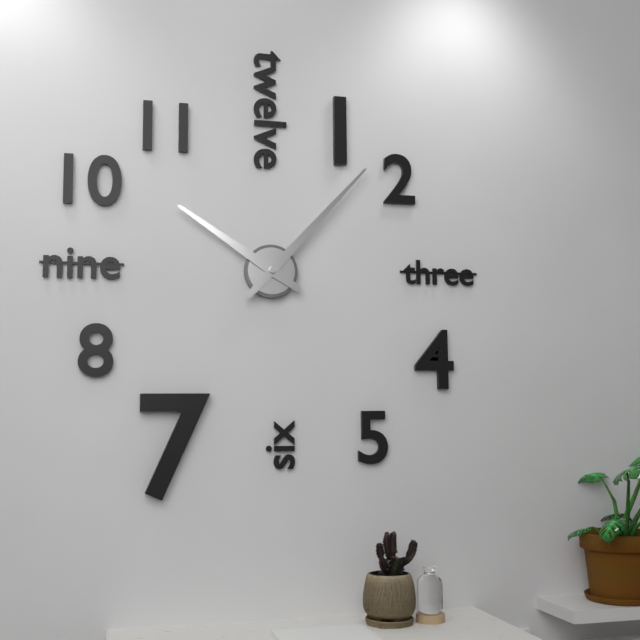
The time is **10:07**
